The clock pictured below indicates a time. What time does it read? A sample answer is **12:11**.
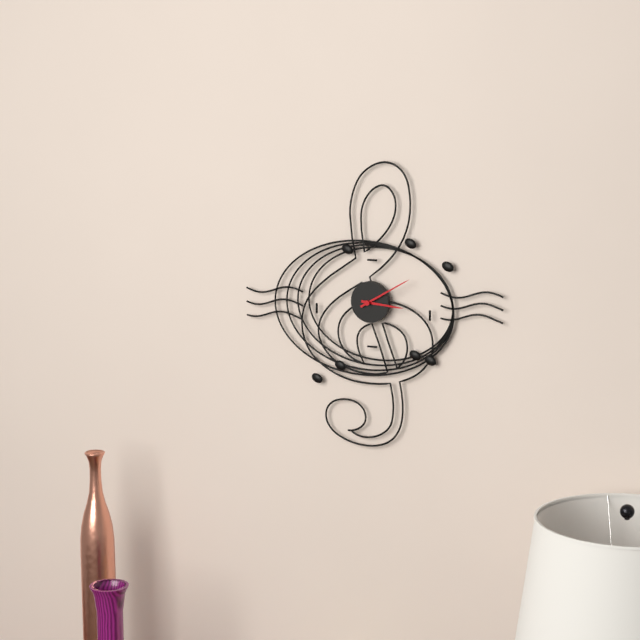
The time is **3:10**
